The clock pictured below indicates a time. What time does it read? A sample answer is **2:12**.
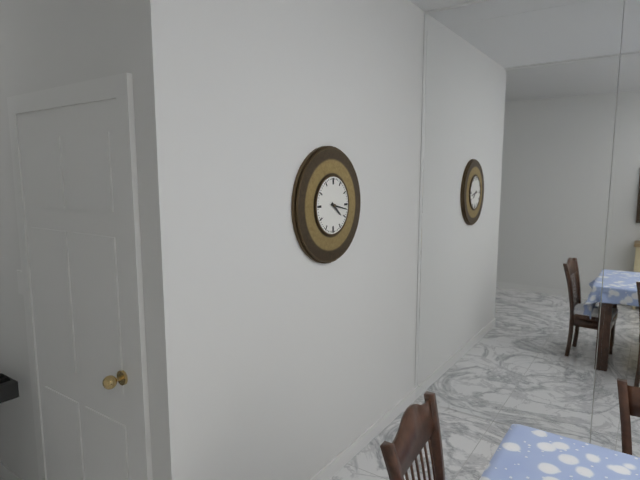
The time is **4:17**
